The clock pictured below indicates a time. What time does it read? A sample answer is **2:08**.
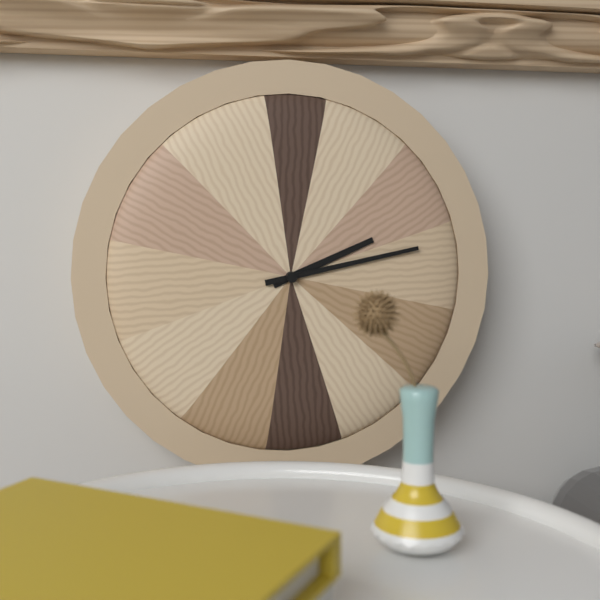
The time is **2:13**
